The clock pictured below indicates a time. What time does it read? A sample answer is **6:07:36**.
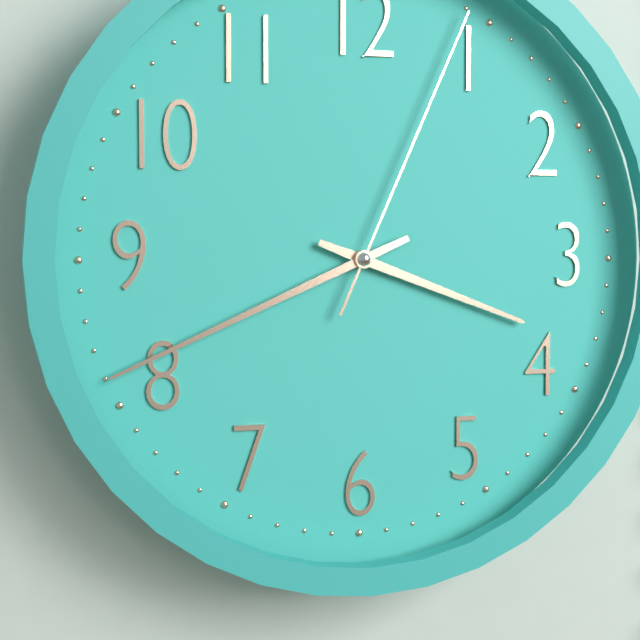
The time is **3:41:04**
